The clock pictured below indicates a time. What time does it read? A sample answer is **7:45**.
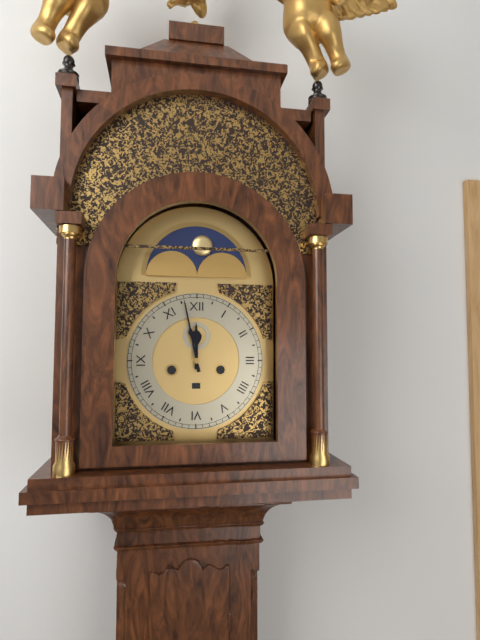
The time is **11:58**
